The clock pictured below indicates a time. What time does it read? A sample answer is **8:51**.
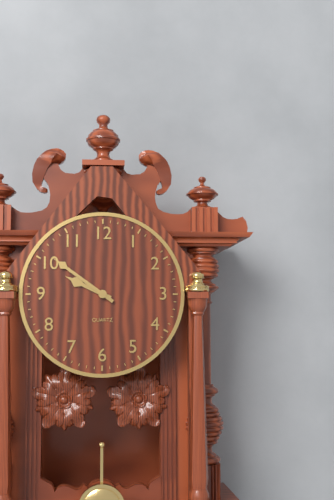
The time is **9:51**
